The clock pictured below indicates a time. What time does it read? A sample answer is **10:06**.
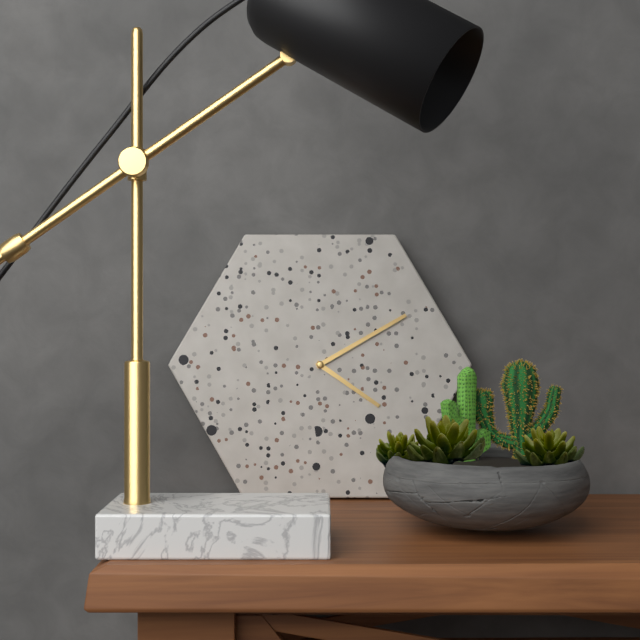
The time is **4:10**
